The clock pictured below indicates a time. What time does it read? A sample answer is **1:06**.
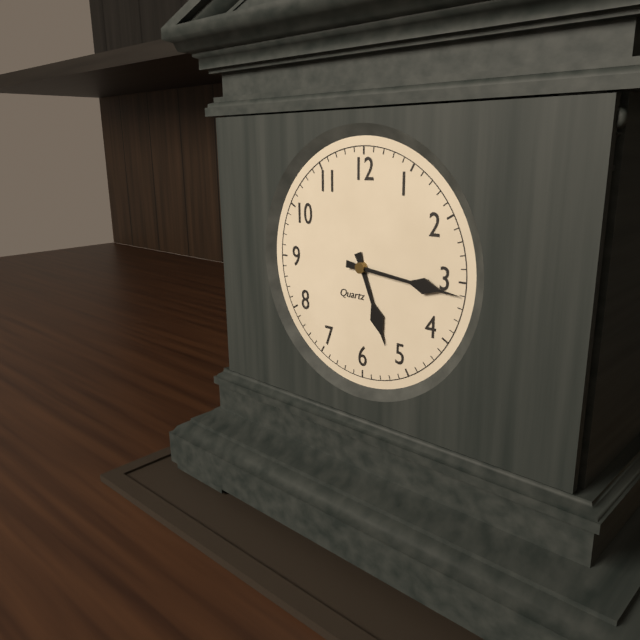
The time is **5:16**
